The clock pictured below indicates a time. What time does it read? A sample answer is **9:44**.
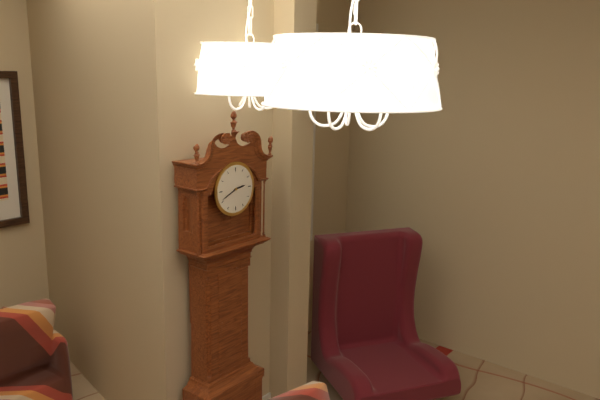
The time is **2:41**
